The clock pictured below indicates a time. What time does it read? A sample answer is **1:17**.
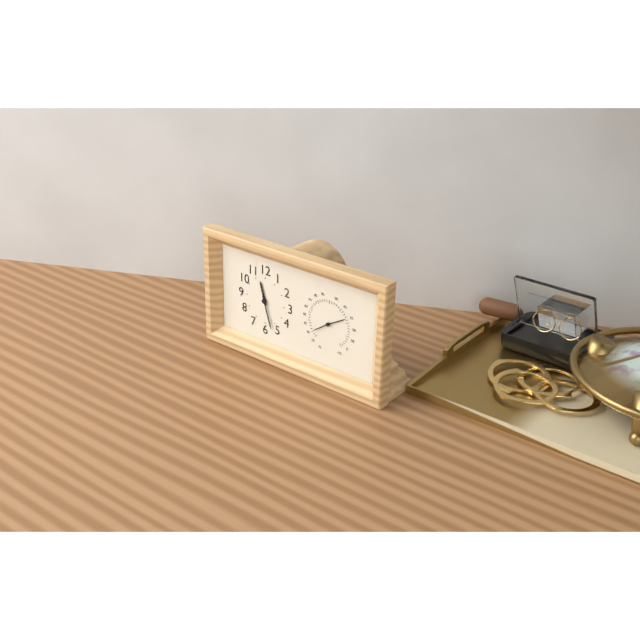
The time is **11:27**
